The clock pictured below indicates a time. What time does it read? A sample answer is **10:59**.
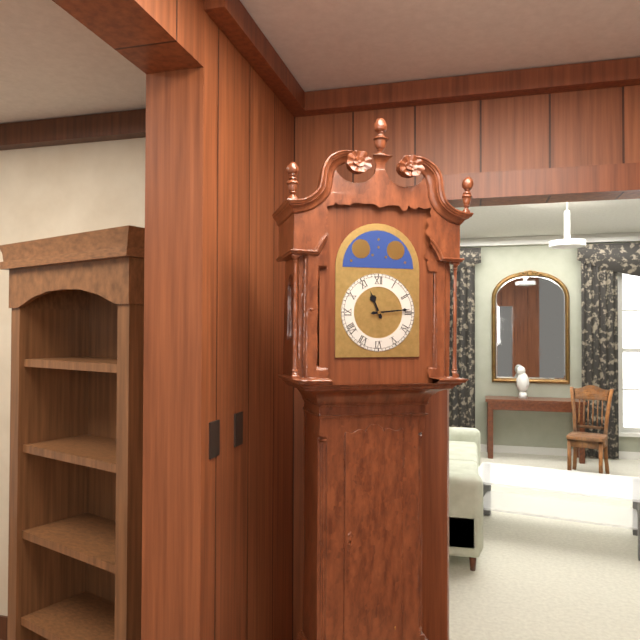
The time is **11:14**
